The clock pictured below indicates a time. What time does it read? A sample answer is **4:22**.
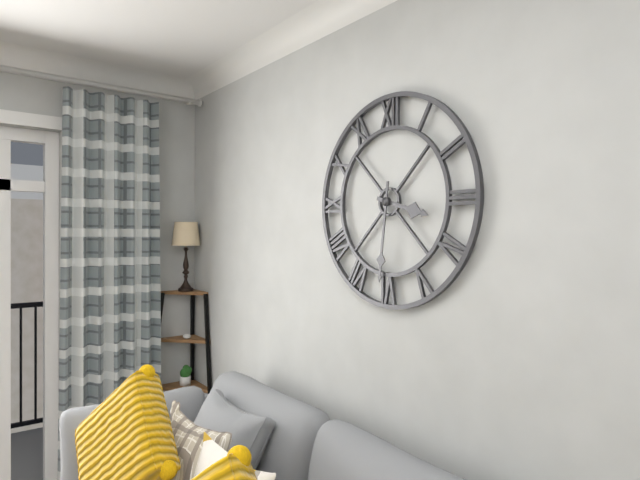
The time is **3:31**
